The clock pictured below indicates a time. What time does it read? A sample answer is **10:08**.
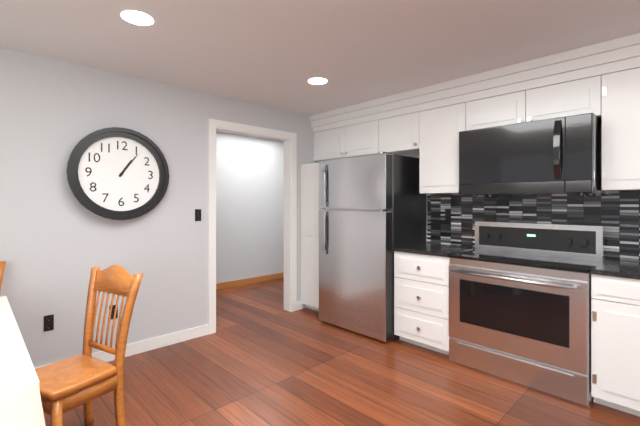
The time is **1:06**
